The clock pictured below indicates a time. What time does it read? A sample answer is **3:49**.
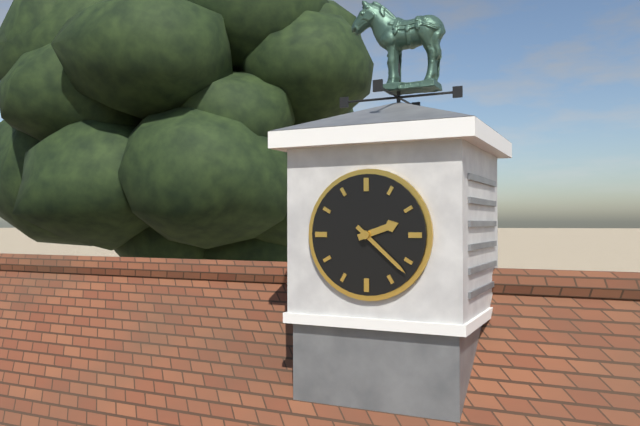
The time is **2:22**
